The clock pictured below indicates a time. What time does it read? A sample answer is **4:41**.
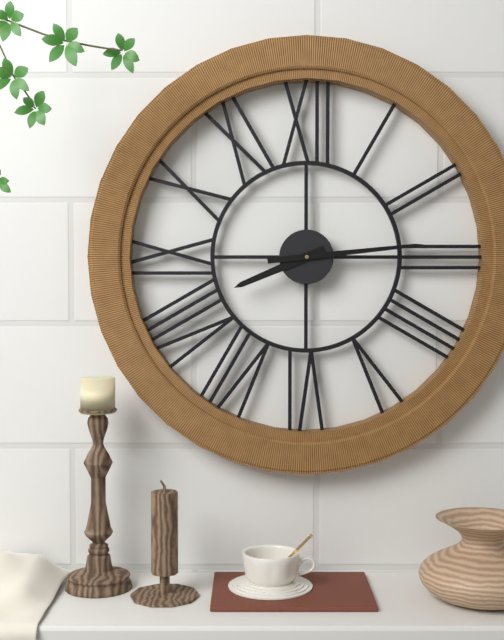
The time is **8:14**
